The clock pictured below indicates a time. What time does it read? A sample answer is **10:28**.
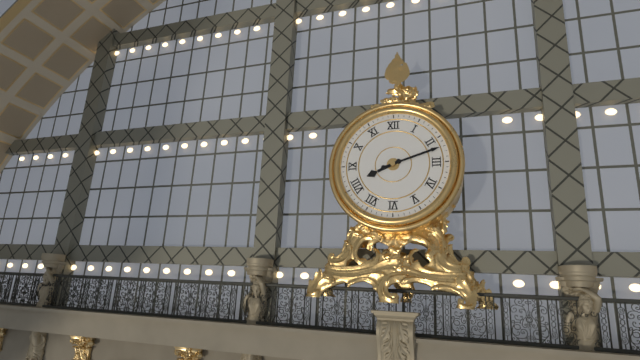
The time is **8:12**
